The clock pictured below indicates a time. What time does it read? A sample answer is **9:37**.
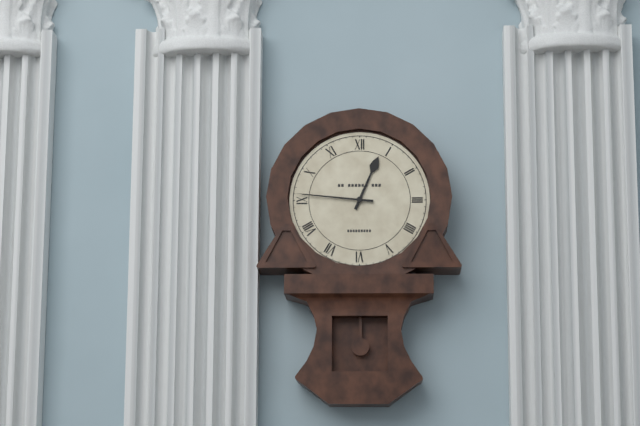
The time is **12:46**
